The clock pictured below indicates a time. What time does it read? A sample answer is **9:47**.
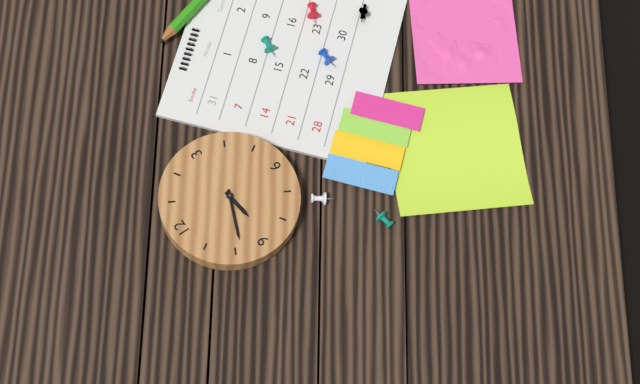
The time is **8:49**
